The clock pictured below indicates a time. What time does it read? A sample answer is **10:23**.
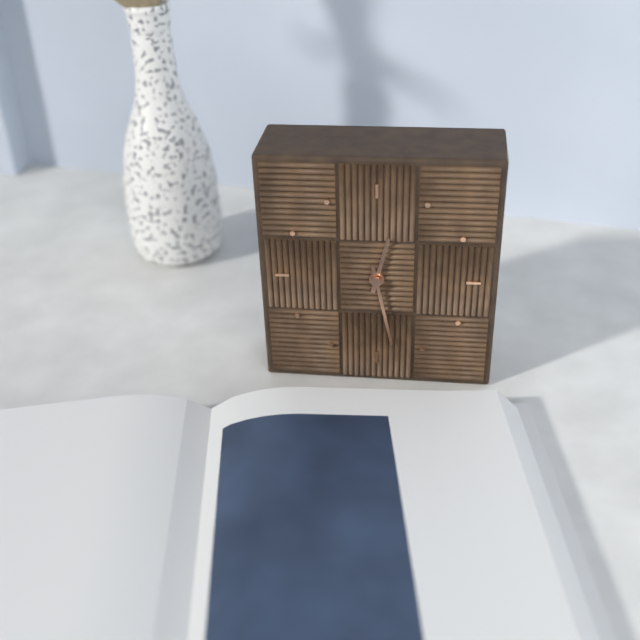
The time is **12:28**
